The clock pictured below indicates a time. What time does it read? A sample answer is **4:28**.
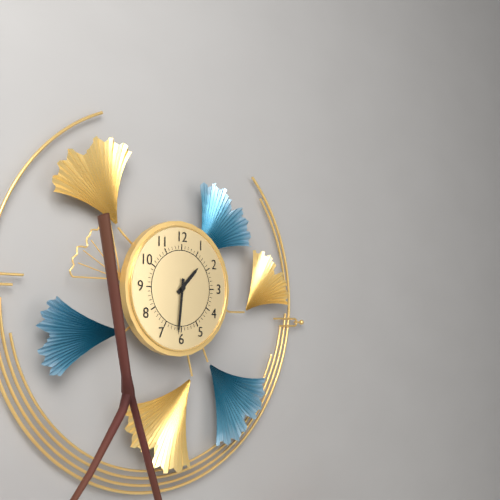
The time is **1:31**
